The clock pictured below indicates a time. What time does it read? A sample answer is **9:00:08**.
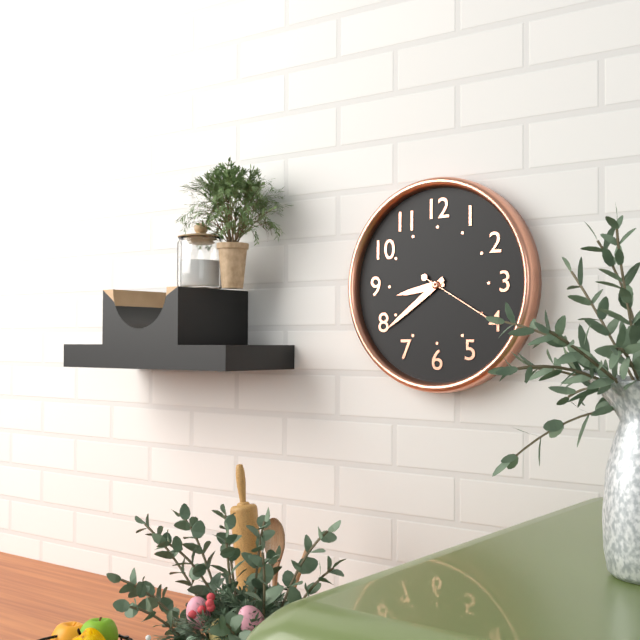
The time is **8:39:20**
